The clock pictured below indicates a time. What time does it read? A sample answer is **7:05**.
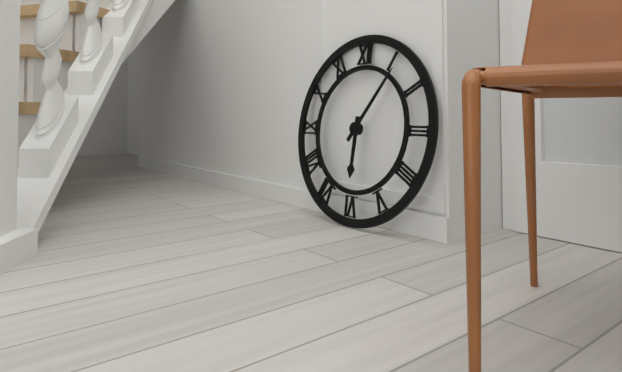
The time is **6:06**
